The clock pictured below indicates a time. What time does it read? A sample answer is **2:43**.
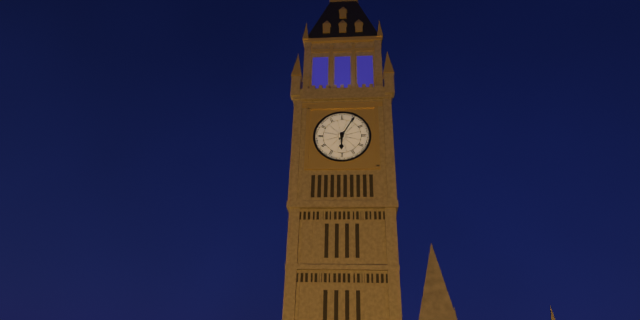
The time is **6:05**
